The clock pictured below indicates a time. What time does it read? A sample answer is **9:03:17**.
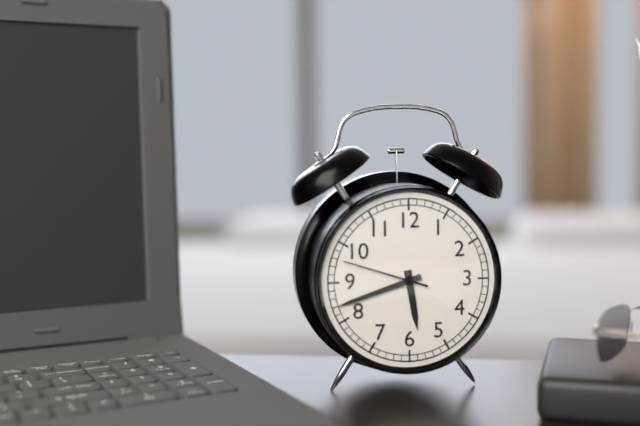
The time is **5:42:48**
